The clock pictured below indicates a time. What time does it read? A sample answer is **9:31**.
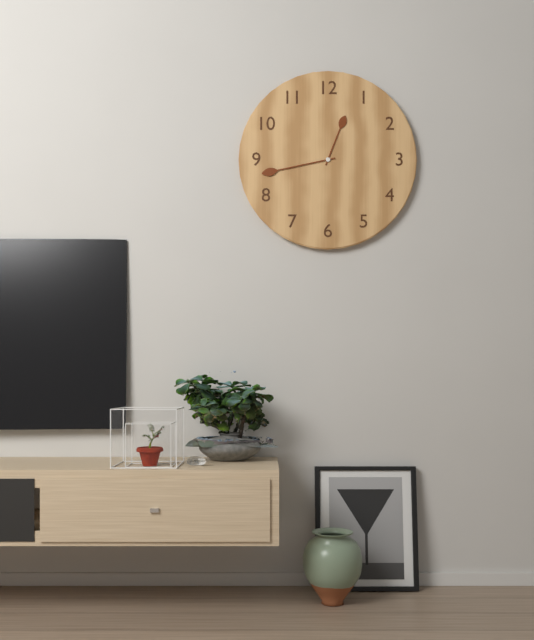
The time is **12:43**
